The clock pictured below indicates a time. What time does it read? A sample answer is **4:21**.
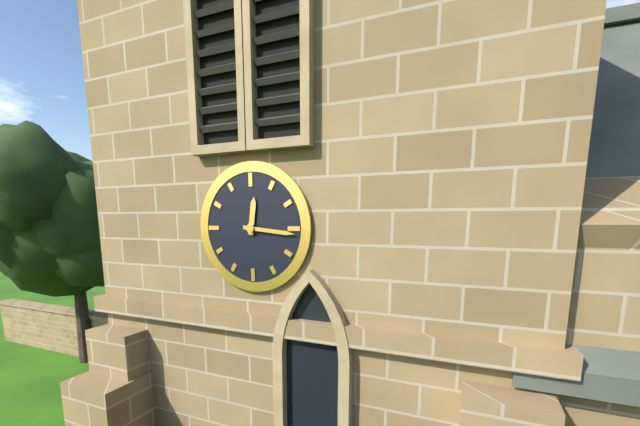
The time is **12:16**
